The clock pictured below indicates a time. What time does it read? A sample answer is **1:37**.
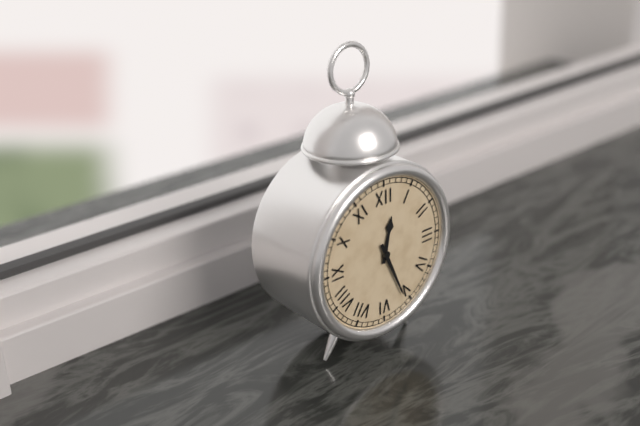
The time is **12:26**
